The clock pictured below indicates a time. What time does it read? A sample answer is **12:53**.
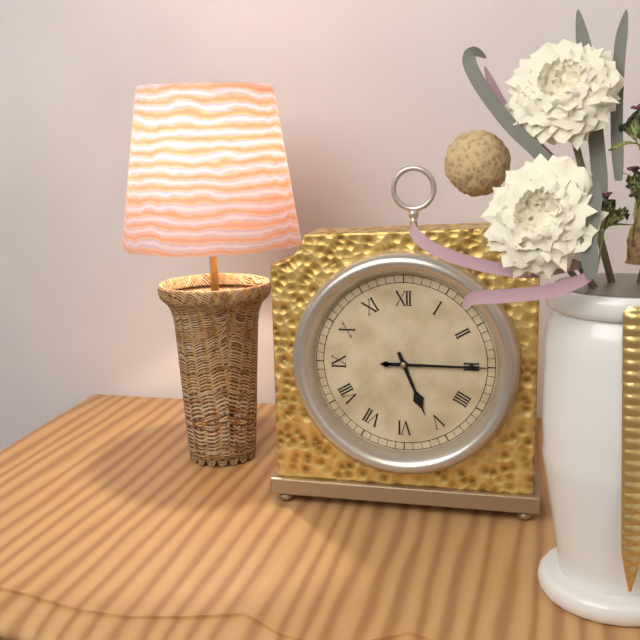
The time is **5:15**
